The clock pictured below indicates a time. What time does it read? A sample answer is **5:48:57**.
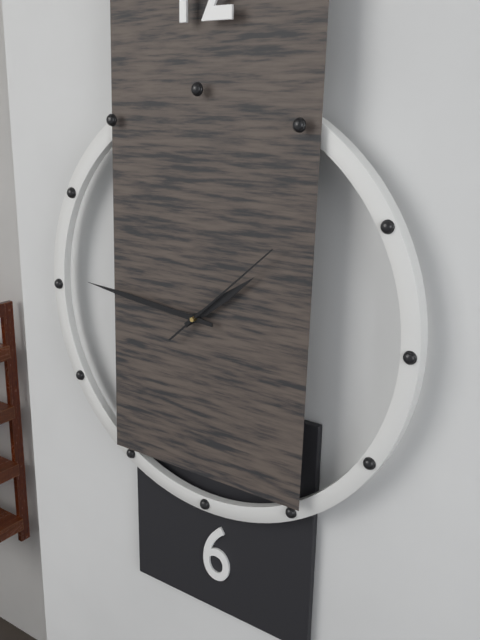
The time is **1:46:08**
